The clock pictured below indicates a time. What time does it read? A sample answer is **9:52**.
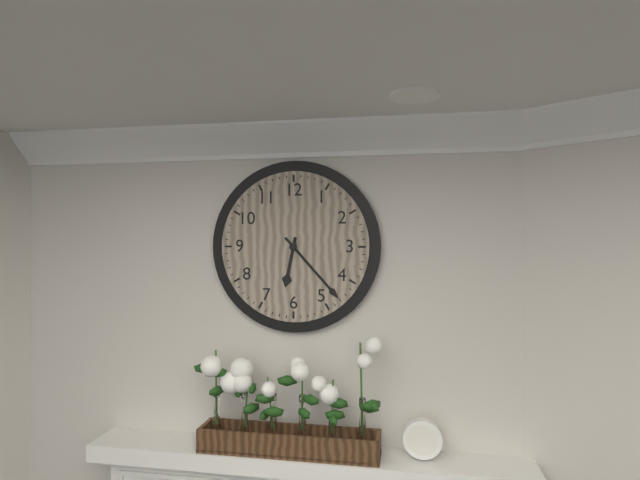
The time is **6:23**
